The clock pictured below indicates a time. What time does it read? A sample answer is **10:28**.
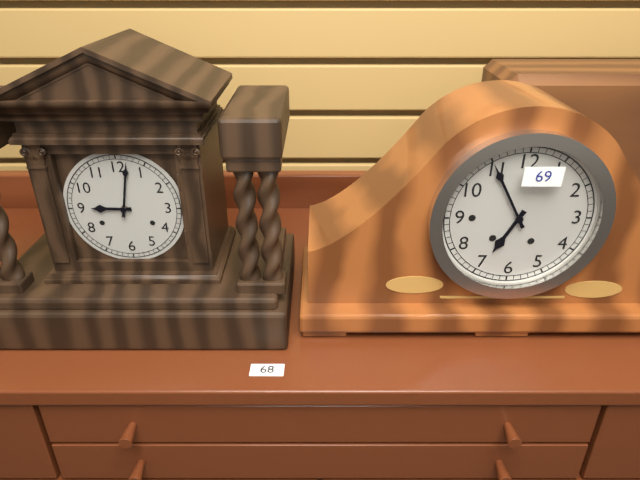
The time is **9:02**
